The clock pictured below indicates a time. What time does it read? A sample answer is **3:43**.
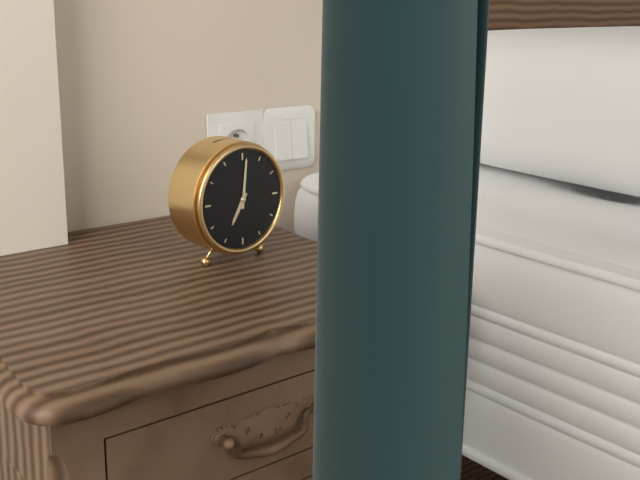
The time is **7:01**
